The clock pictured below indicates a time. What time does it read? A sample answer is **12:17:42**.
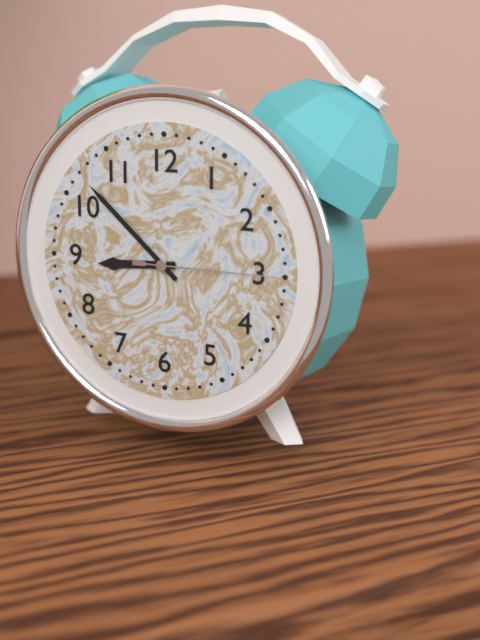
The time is **8:52:15**
